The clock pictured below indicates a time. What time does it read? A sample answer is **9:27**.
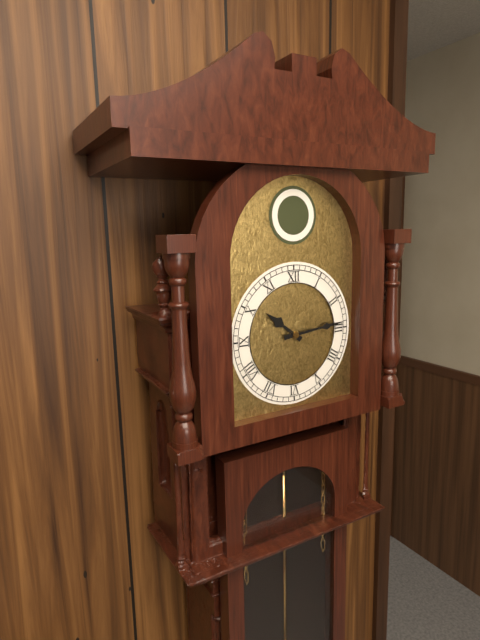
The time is **10:14**
